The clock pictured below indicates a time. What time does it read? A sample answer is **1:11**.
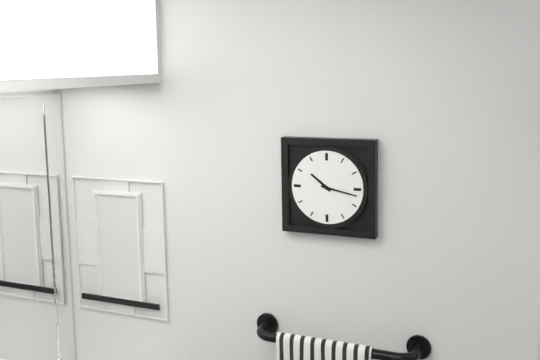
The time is **10:17**
